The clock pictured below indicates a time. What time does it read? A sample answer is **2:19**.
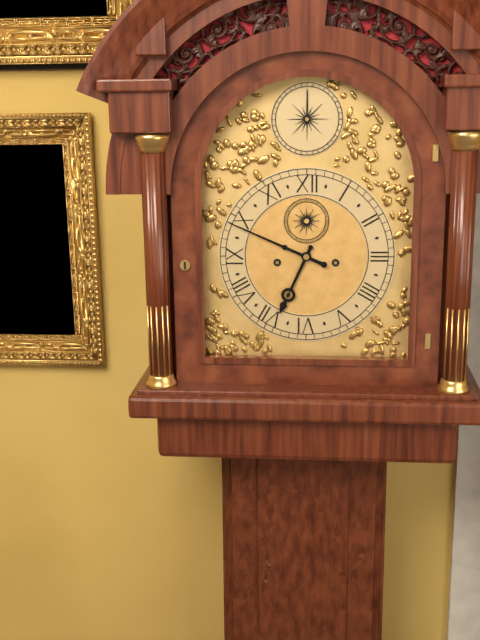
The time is **6:49**
